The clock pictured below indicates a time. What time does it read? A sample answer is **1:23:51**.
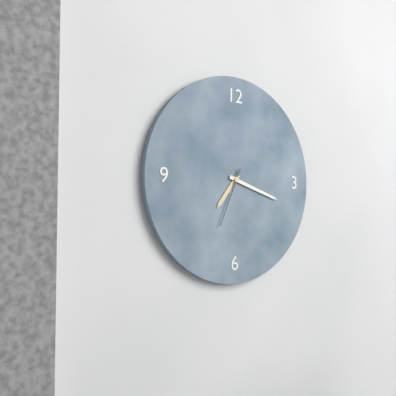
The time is **7:18:34**
